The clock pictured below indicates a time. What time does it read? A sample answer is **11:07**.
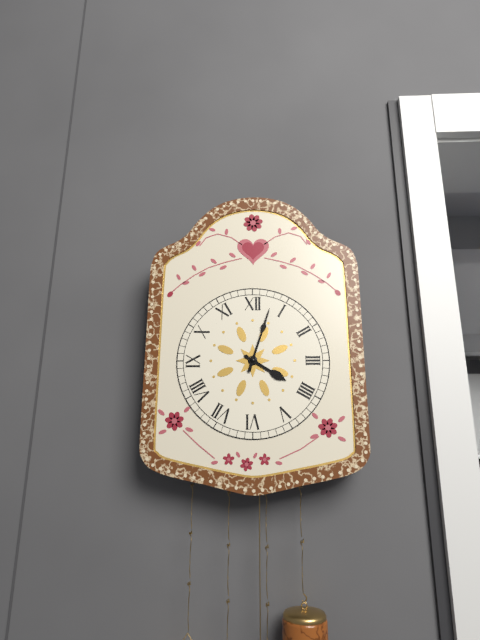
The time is **4:03**
